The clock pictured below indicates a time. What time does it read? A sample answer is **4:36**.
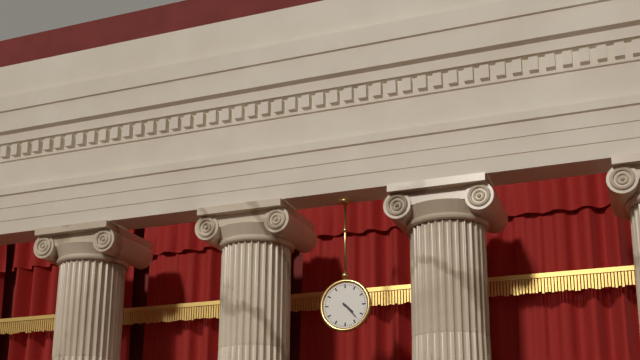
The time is **4:23**
